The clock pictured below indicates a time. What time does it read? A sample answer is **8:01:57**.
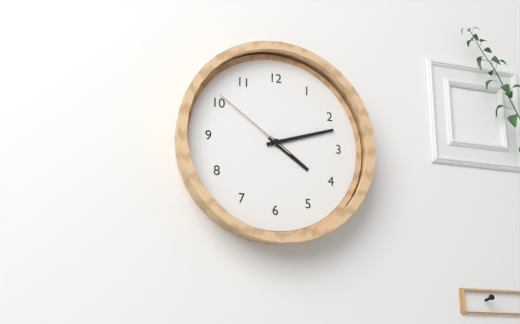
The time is **4:12:51**
